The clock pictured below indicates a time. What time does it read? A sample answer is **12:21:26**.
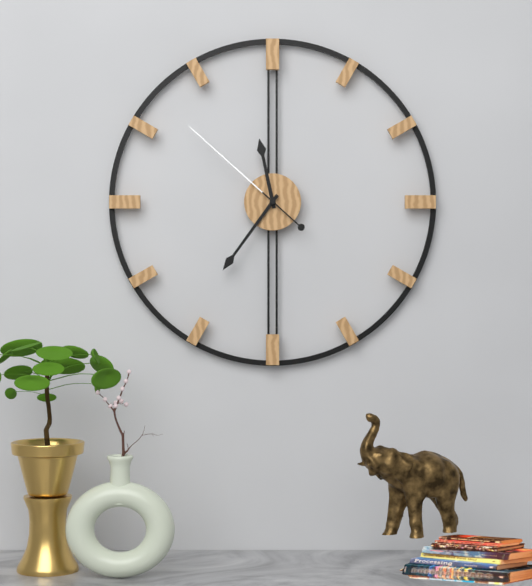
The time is **11:36:52**
